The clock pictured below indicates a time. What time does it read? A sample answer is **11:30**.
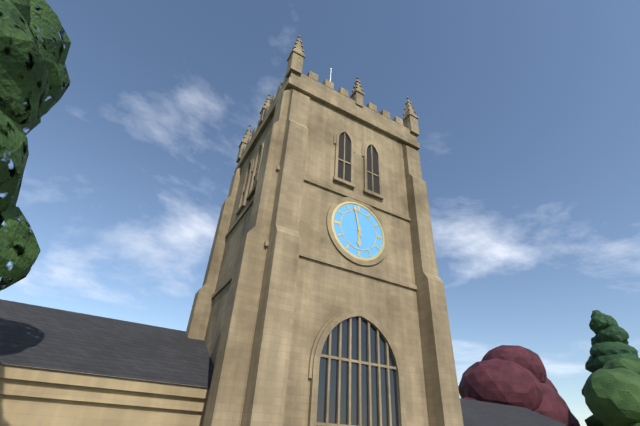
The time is **5:58**
